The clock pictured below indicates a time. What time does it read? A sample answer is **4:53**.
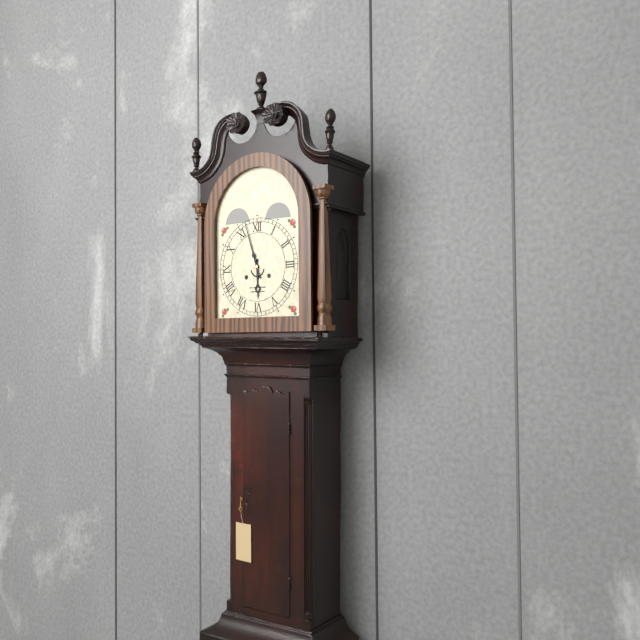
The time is **5:57**
